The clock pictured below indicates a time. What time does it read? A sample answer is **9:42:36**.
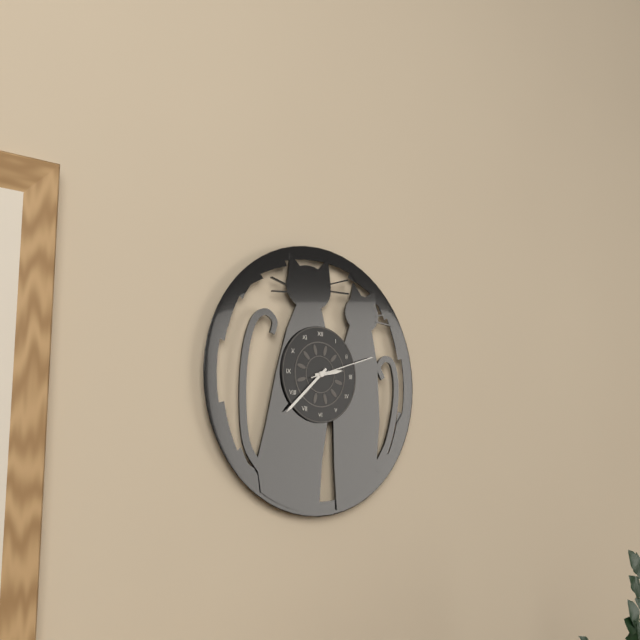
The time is **2:38:12**
